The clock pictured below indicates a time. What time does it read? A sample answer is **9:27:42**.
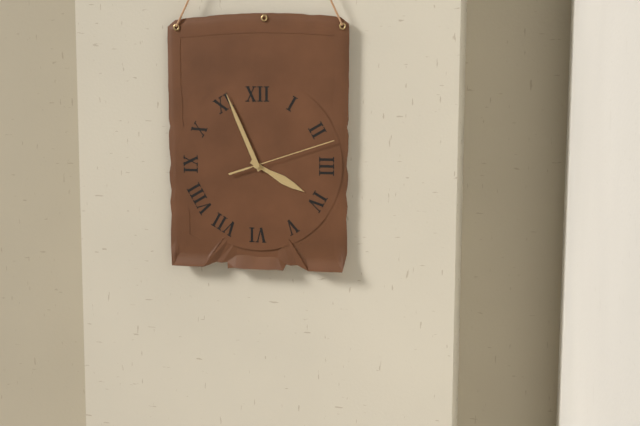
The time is **3:56:12**
